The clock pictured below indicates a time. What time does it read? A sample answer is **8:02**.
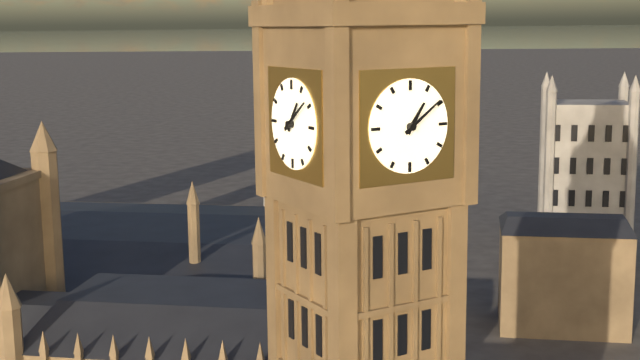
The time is **1:09**
